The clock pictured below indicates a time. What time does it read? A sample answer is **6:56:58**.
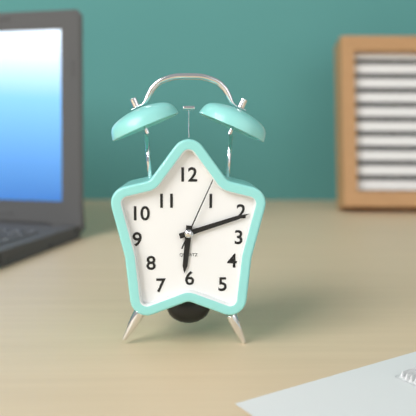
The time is **6:12:04**
